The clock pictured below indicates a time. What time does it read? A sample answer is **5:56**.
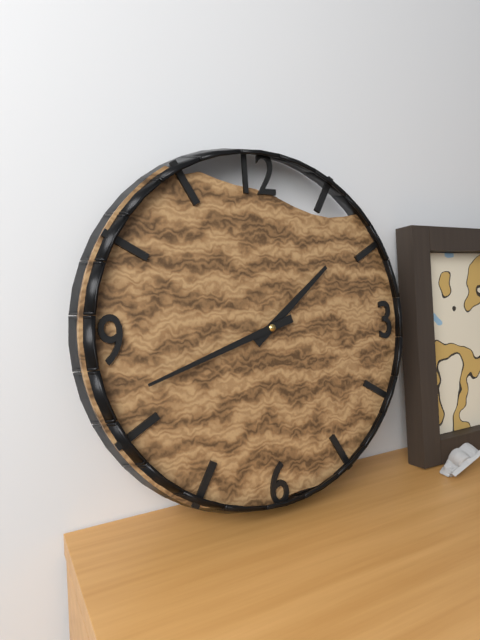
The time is **1:42**
